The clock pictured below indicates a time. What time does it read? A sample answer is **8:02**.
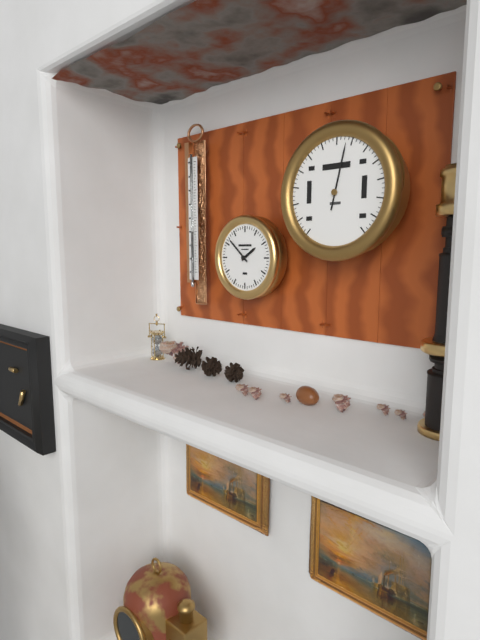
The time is **1:52**
